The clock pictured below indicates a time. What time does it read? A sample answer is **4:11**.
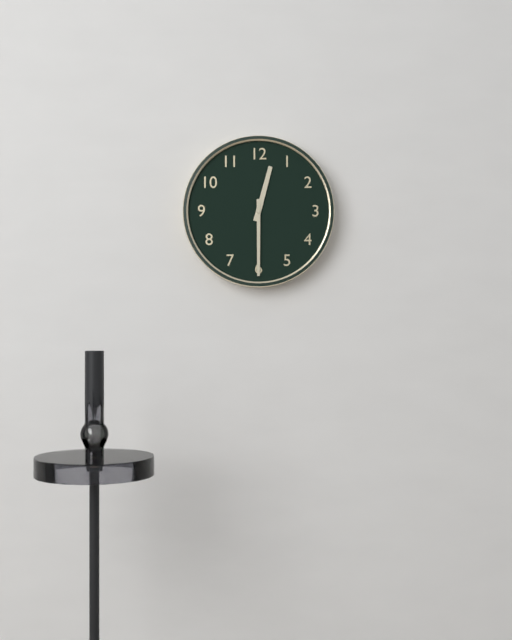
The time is **12:30**
